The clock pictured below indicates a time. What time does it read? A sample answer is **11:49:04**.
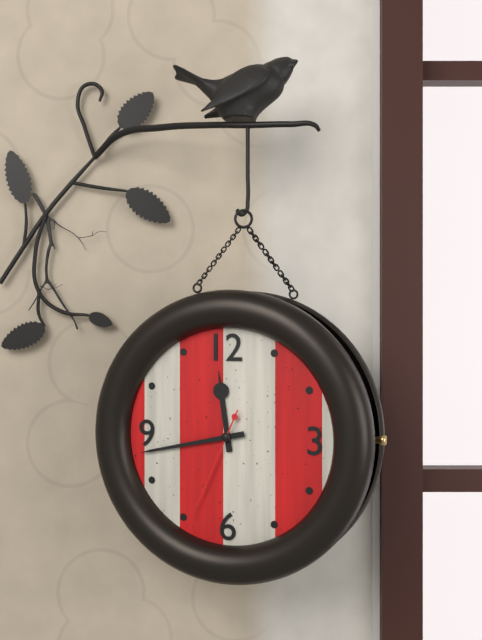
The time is **11:43:34**
